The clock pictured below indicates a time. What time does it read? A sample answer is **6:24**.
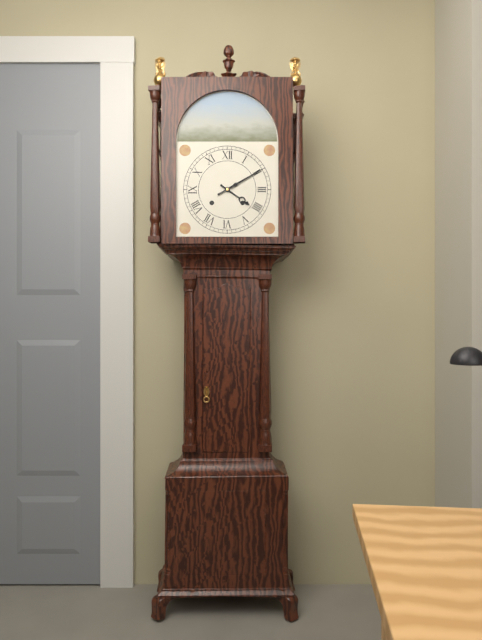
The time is **4:10**
